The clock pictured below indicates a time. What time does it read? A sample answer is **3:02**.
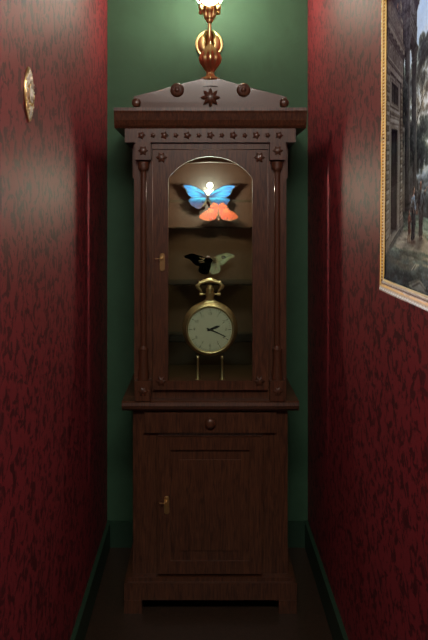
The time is **2:19**
